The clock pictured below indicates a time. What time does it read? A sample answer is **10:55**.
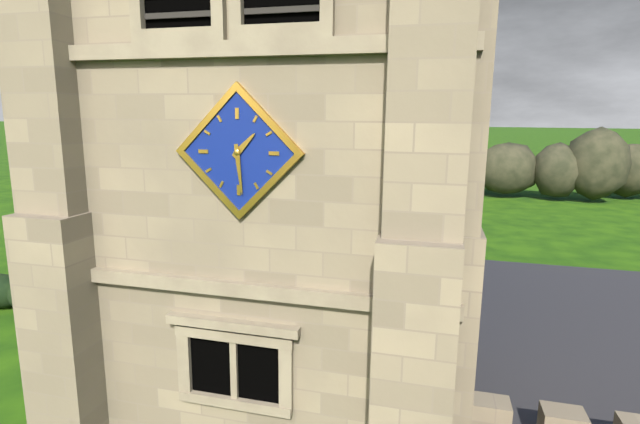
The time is **1:29**
